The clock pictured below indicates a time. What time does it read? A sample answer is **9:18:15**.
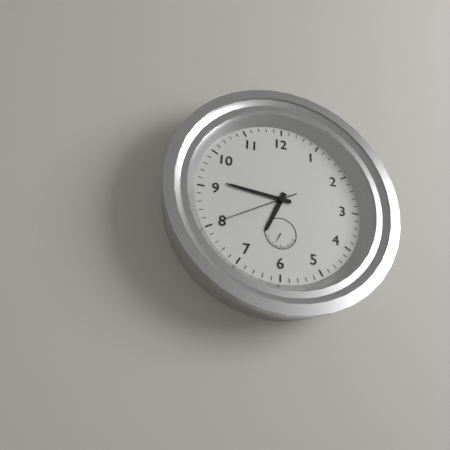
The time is **6:46:40**
